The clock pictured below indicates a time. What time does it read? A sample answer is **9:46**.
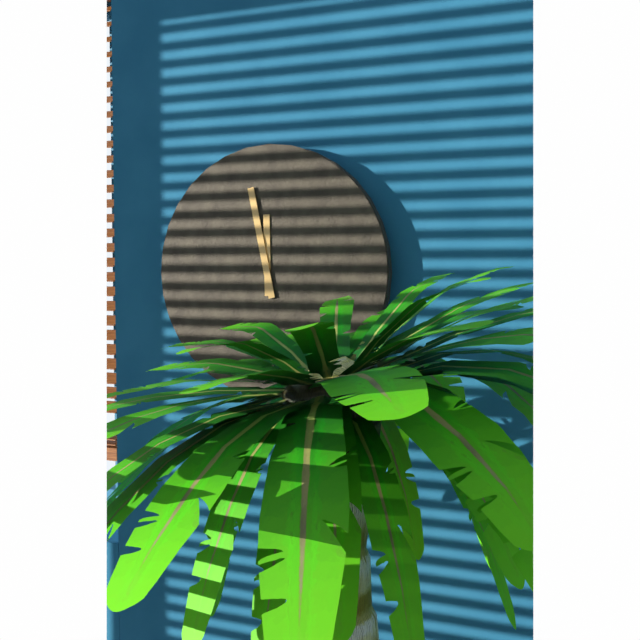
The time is **11:58**
